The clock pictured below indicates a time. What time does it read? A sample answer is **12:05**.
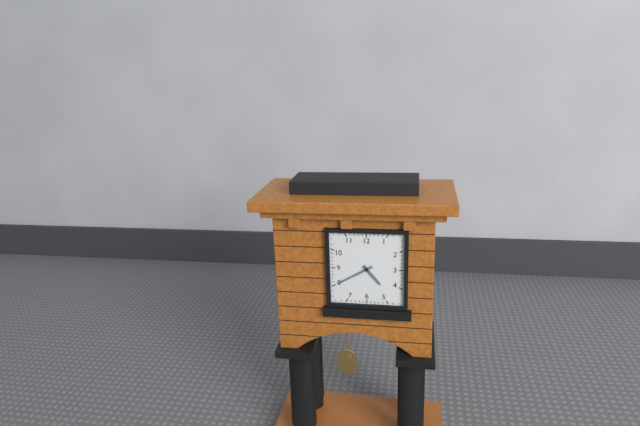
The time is **4:40**
